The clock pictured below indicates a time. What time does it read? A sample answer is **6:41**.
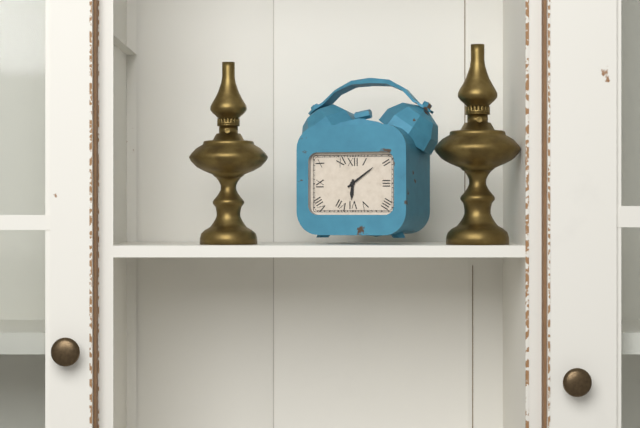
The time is **6:09**
